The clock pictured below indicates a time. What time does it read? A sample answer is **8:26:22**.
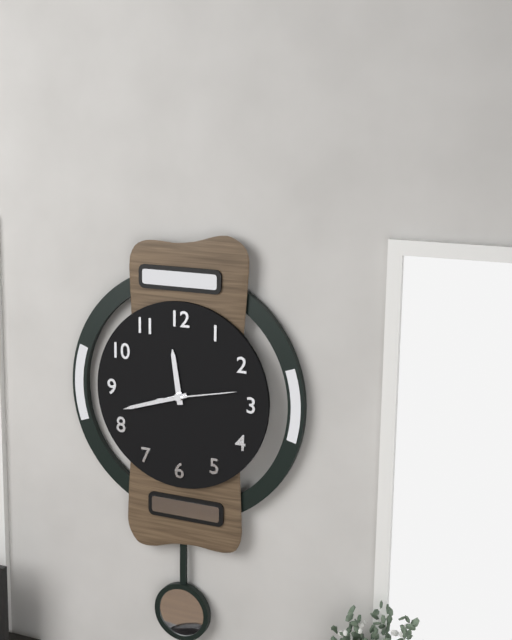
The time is **11:42:13**
